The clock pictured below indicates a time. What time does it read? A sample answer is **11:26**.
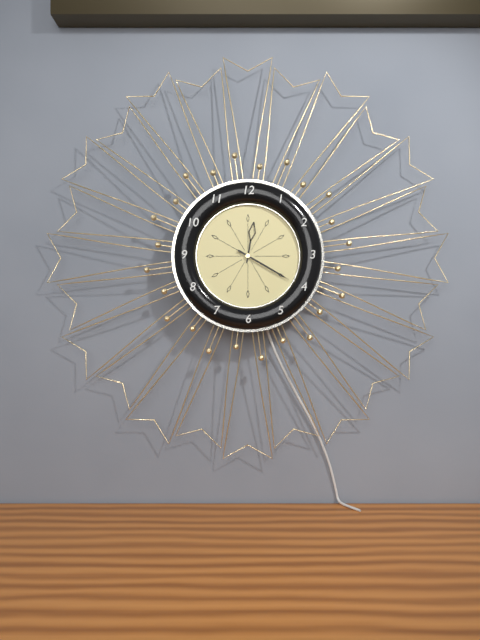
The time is **12:20**
